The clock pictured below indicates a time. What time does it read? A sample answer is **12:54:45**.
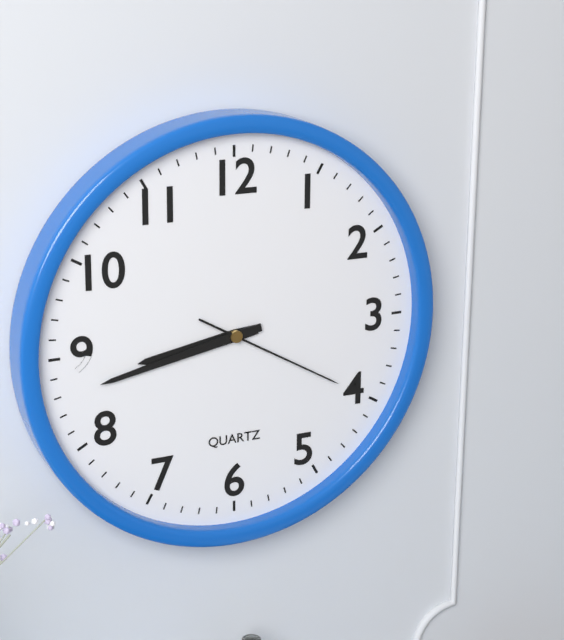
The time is **8:43:20**
